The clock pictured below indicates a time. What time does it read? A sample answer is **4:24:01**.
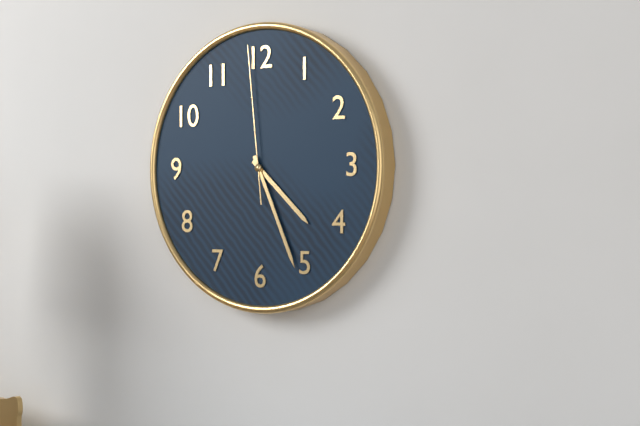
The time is **4:26:59**
